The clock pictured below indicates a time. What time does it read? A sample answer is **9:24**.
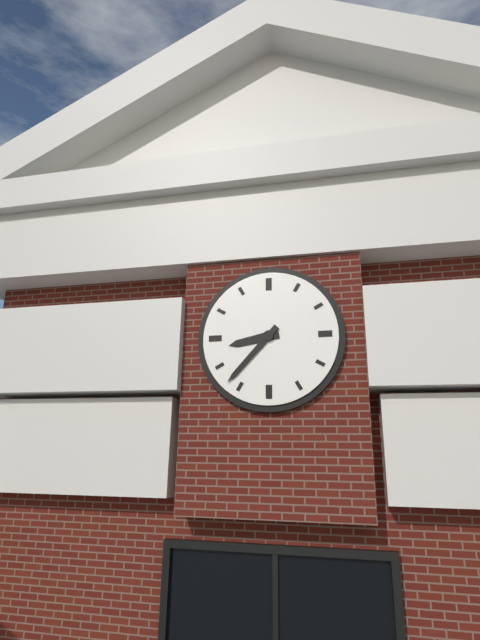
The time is **8:37**
